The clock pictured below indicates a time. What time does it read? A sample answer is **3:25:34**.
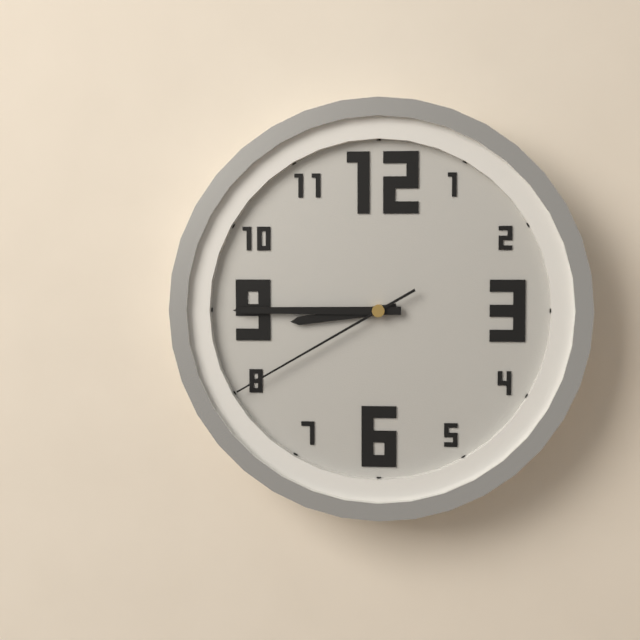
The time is **8:45:40**
